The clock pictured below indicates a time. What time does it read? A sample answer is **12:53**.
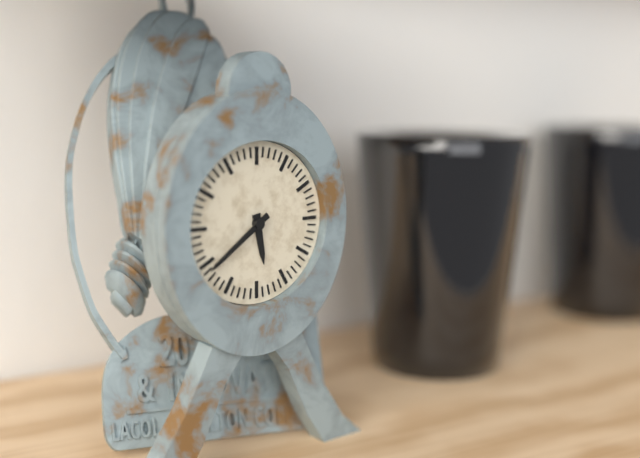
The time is **5:39**
